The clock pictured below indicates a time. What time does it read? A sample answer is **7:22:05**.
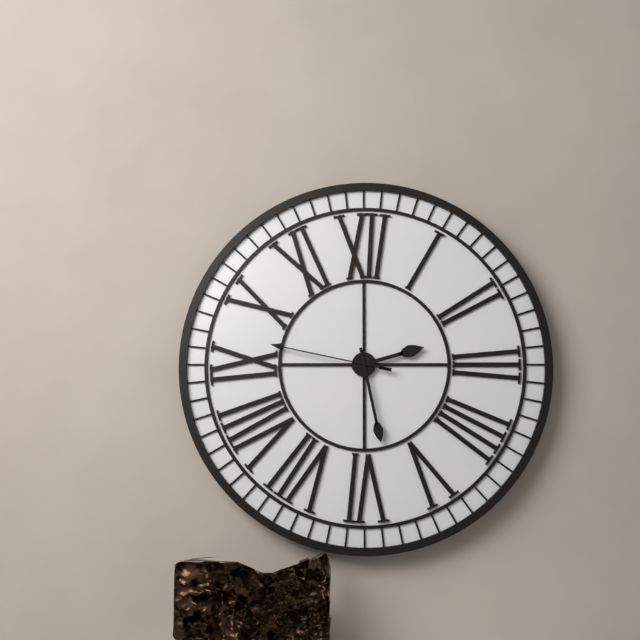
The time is **2:28:47**
